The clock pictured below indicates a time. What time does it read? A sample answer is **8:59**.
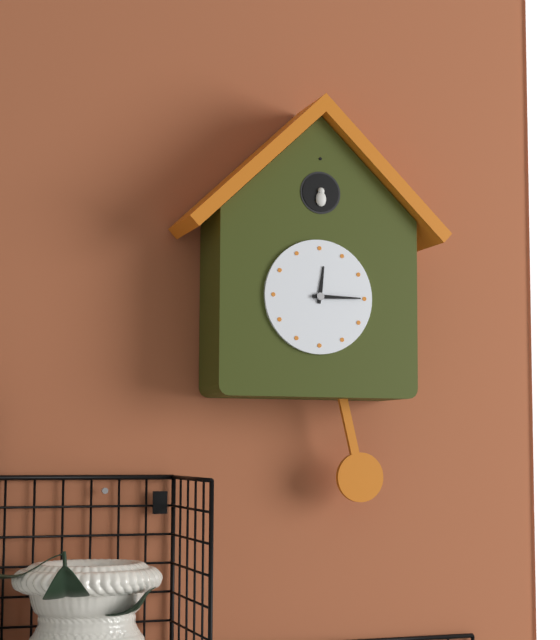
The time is **12:15**
